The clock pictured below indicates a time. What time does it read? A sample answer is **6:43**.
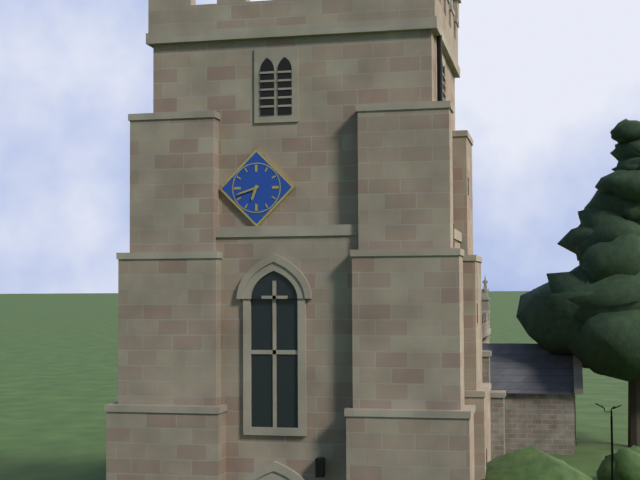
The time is **6:42**
